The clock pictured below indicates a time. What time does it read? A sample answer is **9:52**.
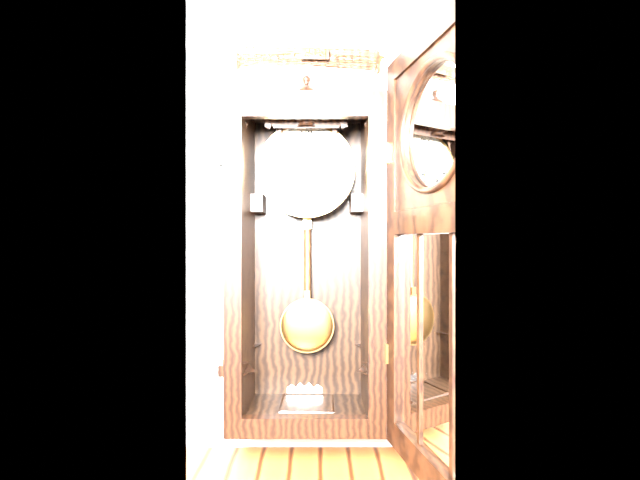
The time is **5:46**
